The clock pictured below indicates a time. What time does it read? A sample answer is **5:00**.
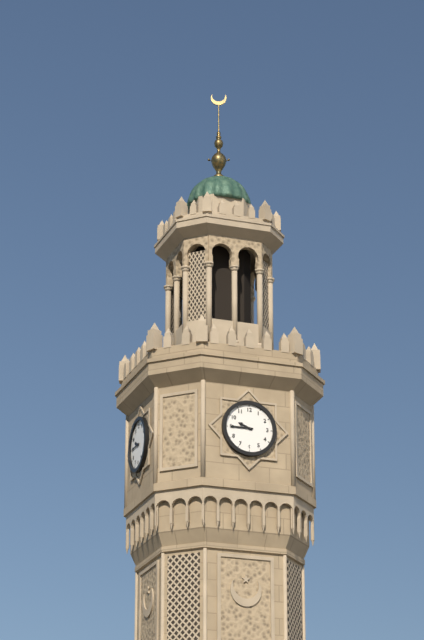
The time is **9:45**
